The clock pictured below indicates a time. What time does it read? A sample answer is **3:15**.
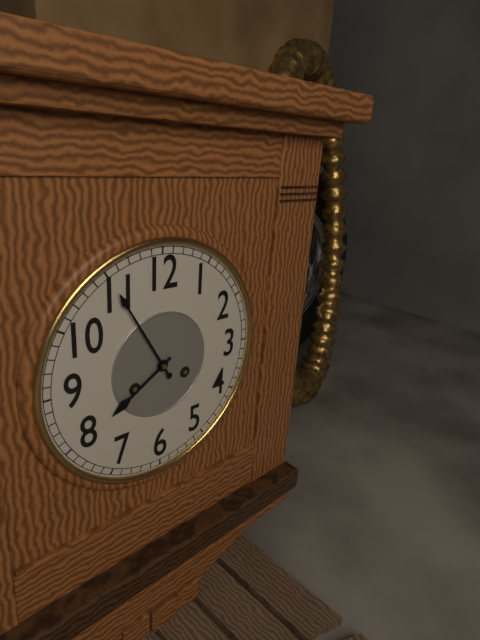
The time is **7:55**
